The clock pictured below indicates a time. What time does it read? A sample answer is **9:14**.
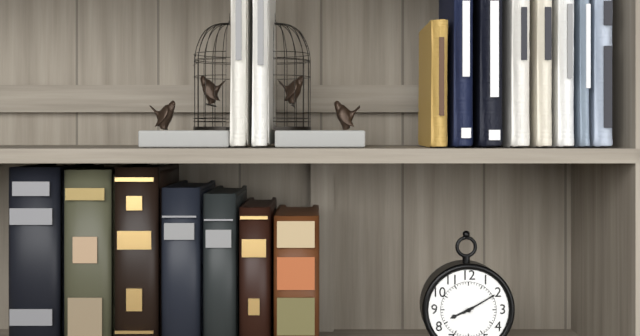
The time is **8:10**
